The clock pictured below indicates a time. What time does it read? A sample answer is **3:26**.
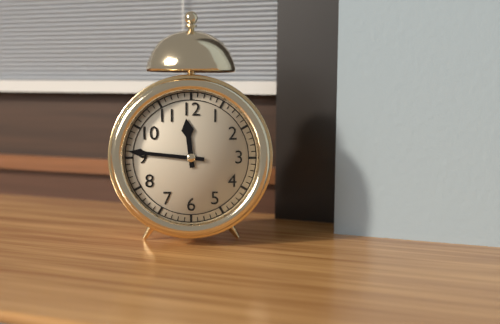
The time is **11:46**
